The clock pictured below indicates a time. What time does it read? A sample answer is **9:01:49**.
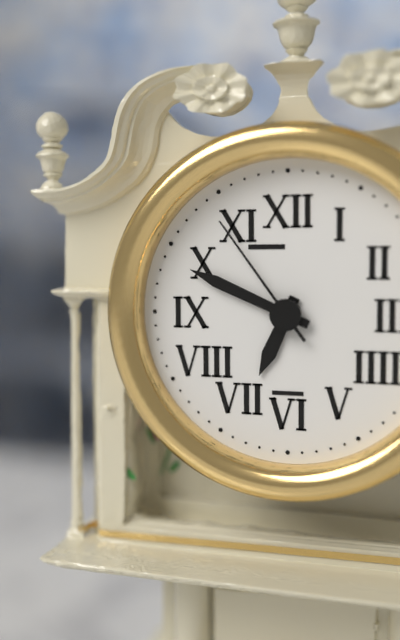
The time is **6:49:54**
